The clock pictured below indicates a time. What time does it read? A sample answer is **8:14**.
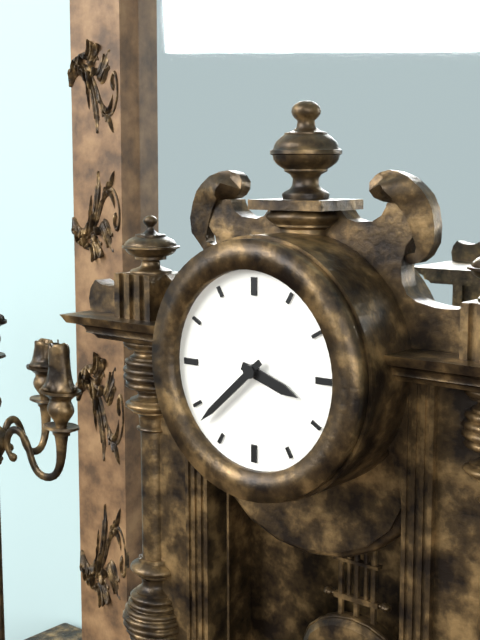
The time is **3:38**
